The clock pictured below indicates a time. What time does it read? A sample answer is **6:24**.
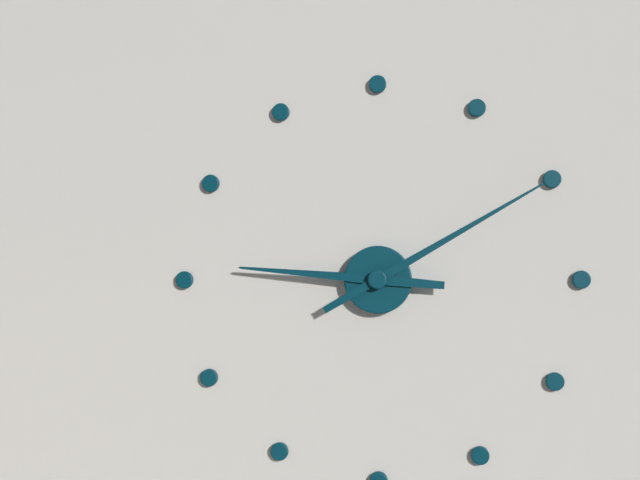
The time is **9:10**
